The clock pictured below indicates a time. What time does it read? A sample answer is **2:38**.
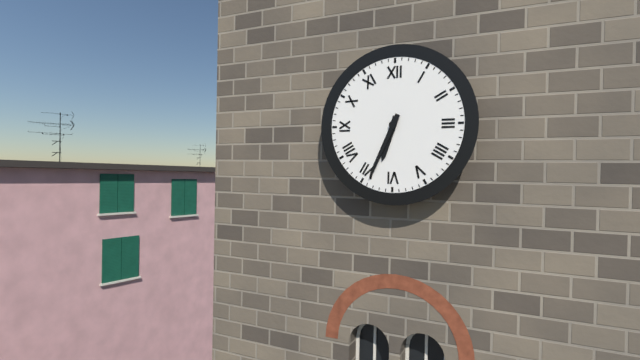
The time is **6:34**
